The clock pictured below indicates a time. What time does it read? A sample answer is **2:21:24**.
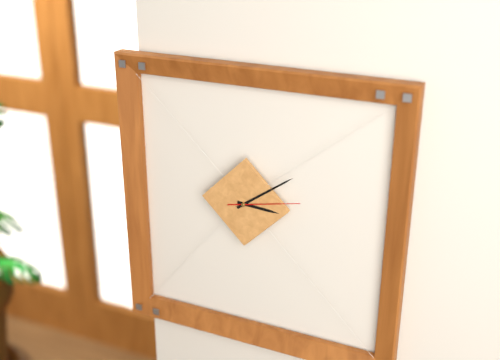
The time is **3:09:13**
